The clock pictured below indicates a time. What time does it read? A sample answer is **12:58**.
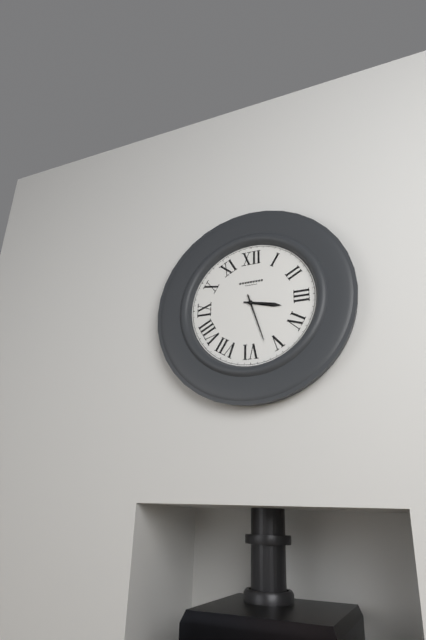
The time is **3:27**
